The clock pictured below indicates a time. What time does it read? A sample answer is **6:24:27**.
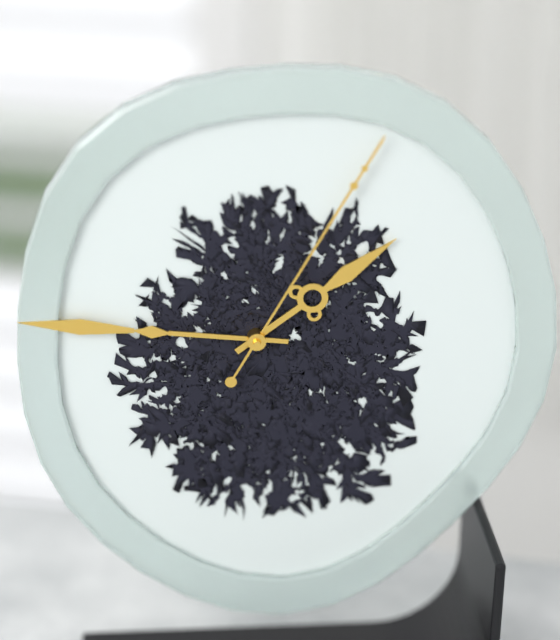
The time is **1:46:05**
